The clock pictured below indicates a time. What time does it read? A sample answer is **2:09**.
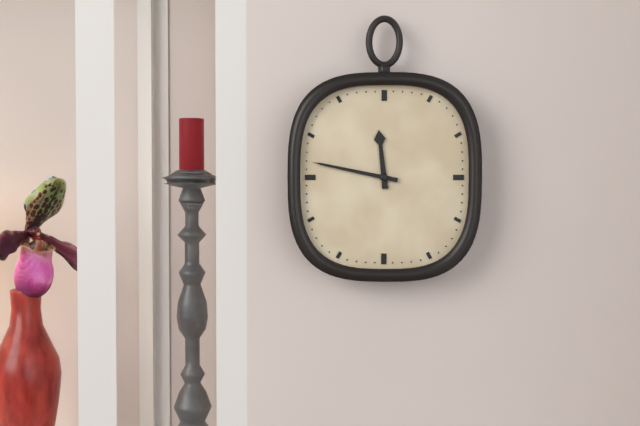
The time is **11:47**
